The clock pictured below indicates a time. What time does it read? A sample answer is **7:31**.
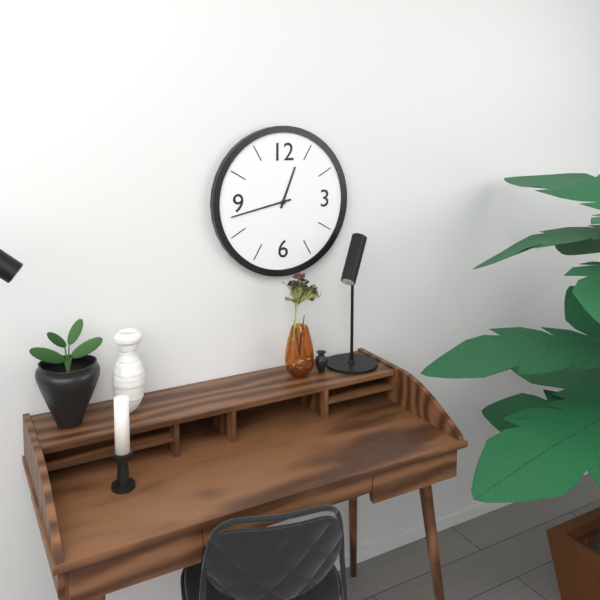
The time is **12:43**
